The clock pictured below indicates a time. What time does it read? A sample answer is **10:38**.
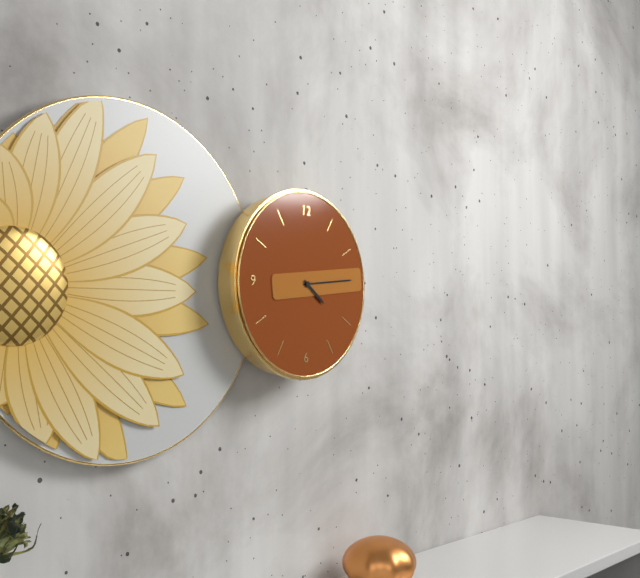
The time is **4:14**
